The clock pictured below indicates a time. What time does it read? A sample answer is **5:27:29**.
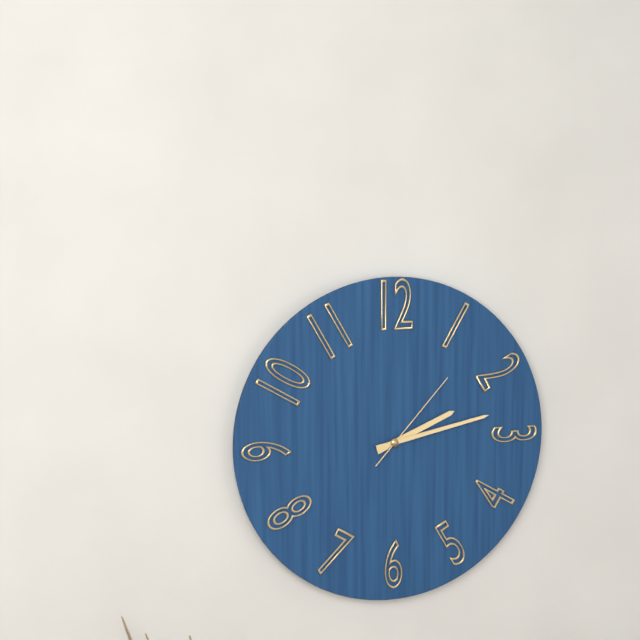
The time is **2:13:07**
